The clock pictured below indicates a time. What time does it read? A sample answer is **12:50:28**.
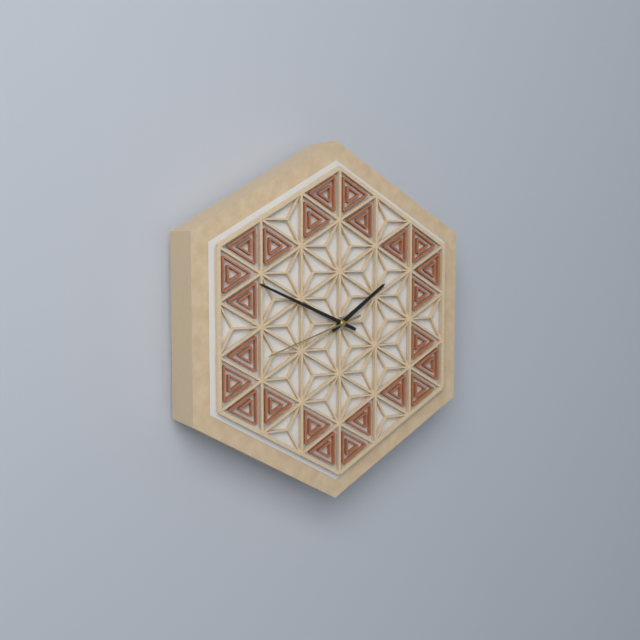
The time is **1:49:42**
